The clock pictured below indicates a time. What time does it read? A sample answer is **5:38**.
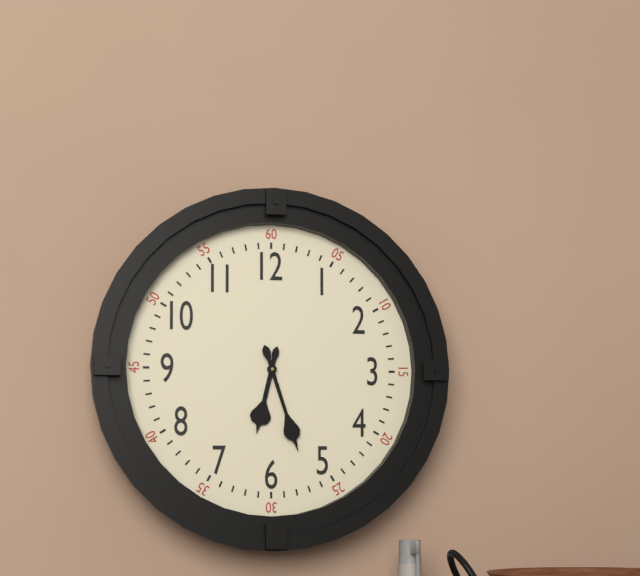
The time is **6:27**
